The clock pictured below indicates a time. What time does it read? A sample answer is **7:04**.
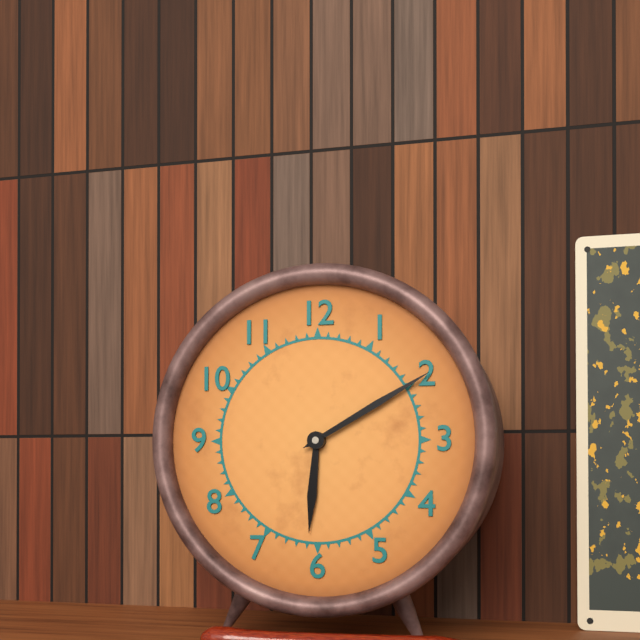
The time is **6:10**
